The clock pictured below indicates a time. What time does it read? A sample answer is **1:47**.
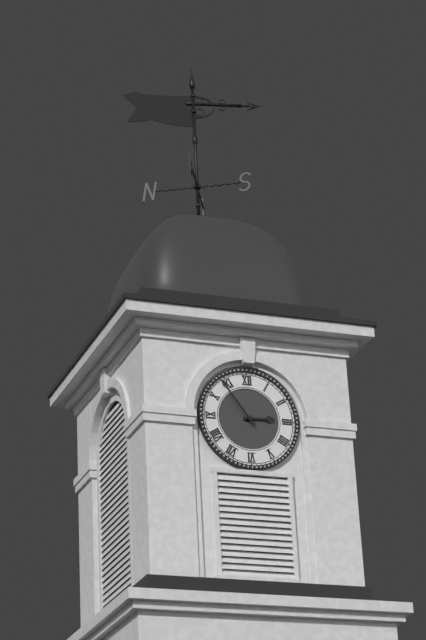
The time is **2:54**
